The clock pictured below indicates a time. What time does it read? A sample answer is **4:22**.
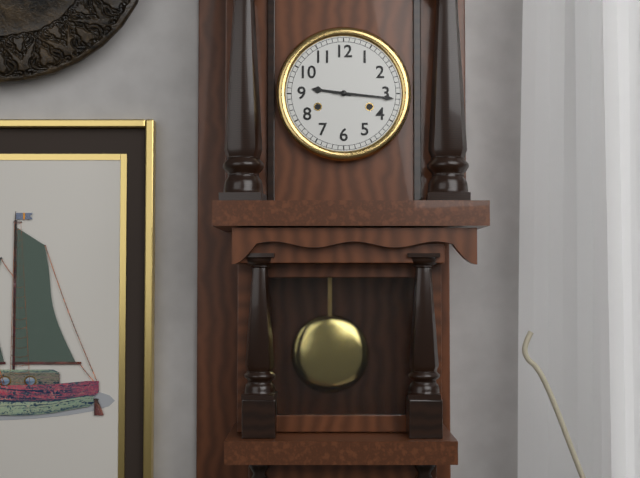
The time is **9:16**
